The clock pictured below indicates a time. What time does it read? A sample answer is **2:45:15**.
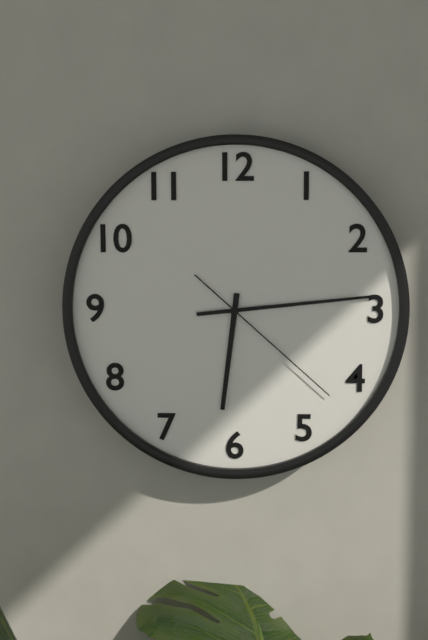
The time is **6:14:22**
